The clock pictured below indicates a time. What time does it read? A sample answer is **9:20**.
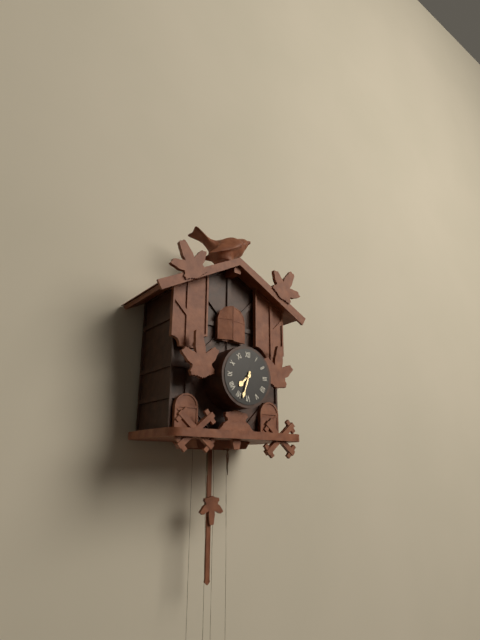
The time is **7:33**
